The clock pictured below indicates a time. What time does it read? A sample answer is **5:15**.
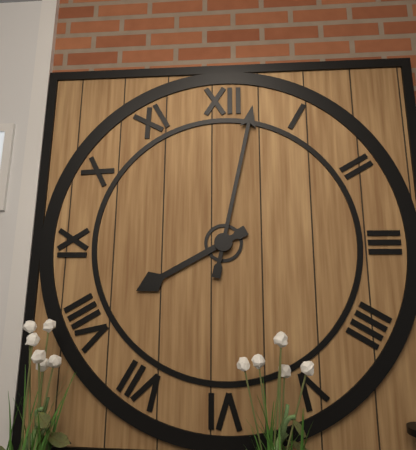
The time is **8:02**
